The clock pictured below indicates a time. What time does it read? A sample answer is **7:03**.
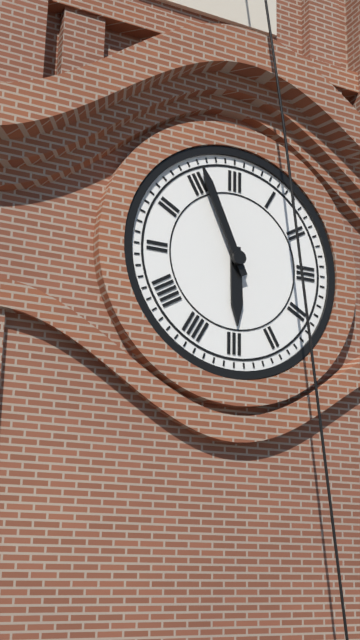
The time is **5:56**
